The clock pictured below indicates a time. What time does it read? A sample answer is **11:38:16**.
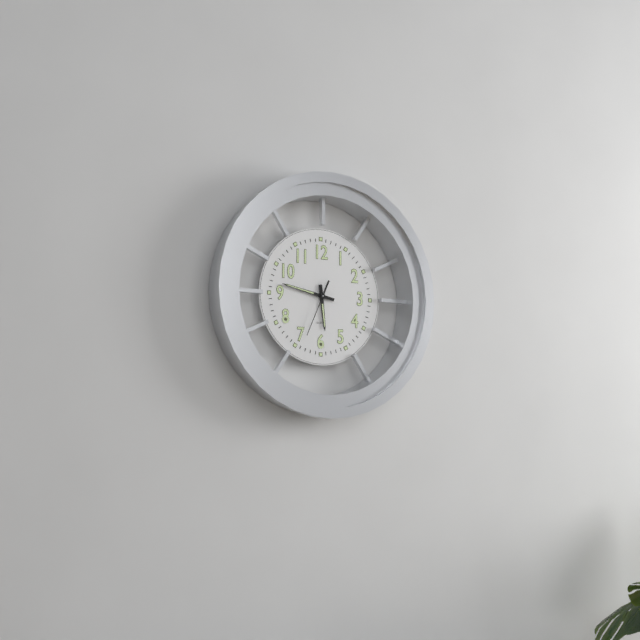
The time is **5:47:34**
